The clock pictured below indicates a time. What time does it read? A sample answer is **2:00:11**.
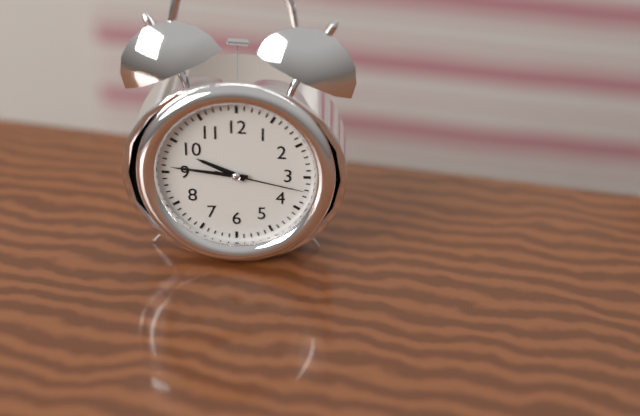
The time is **9:46:17**
